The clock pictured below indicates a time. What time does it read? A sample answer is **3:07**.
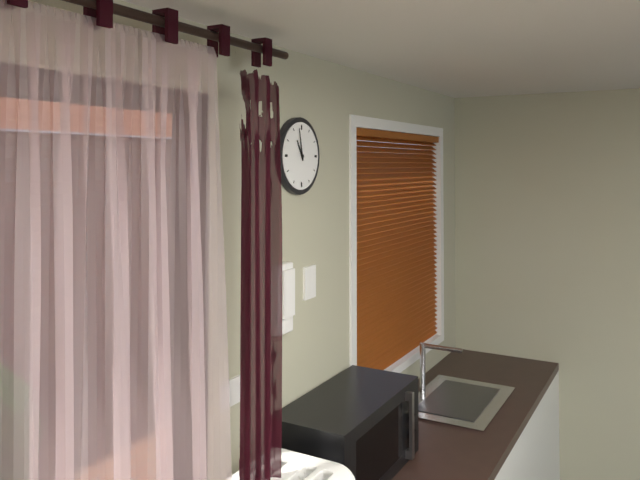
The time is **10:58**
